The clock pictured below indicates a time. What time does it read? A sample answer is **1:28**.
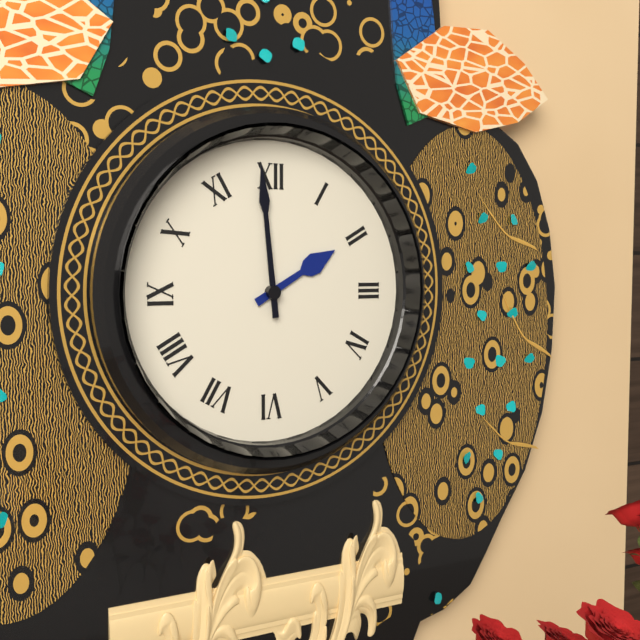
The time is **1:59**
